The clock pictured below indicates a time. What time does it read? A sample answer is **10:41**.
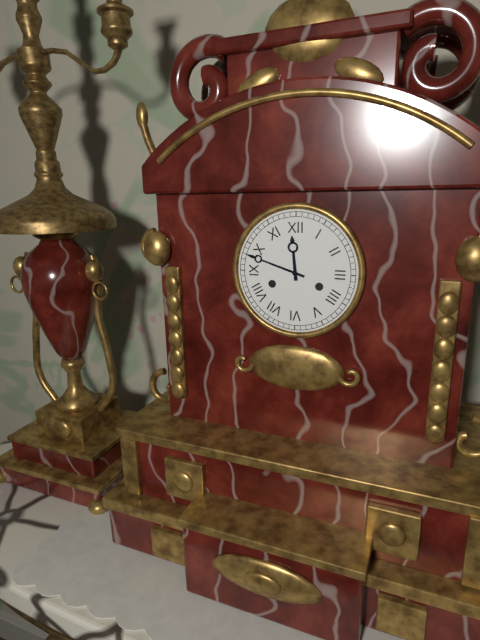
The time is **11:48**
